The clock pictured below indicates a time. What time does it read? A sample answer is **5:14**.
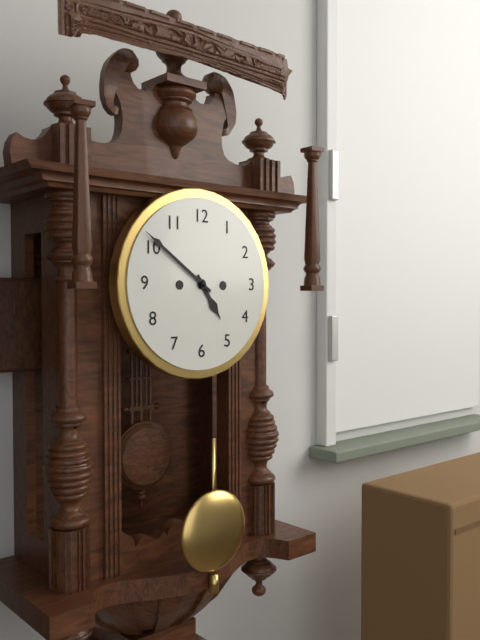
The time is **4:51**
